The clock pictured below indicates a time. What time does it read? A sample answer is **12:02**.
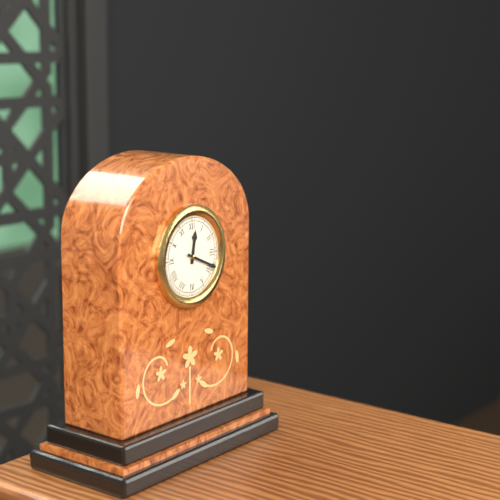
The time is **12:19**
